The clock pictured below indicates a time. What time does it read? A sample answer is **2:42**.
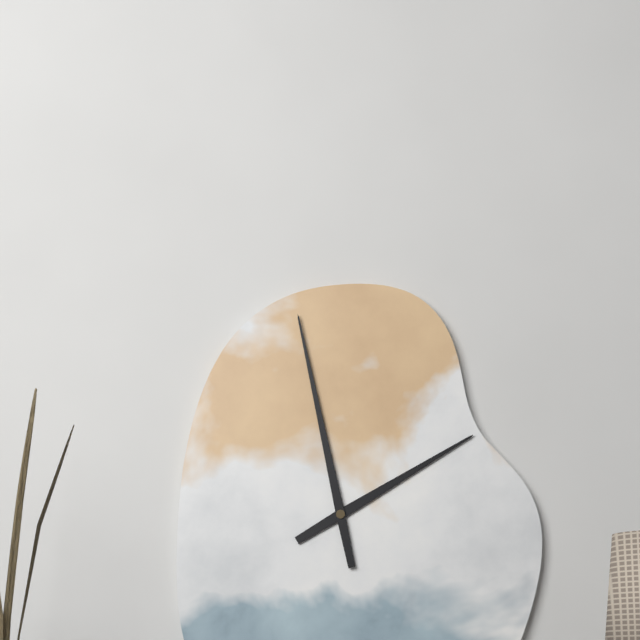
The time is **1:58**
